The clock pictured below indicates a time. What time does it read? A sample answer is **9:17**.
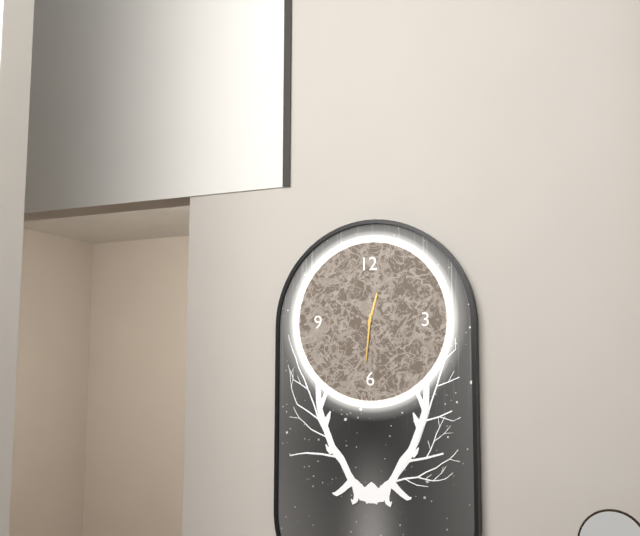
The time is **12:31**
